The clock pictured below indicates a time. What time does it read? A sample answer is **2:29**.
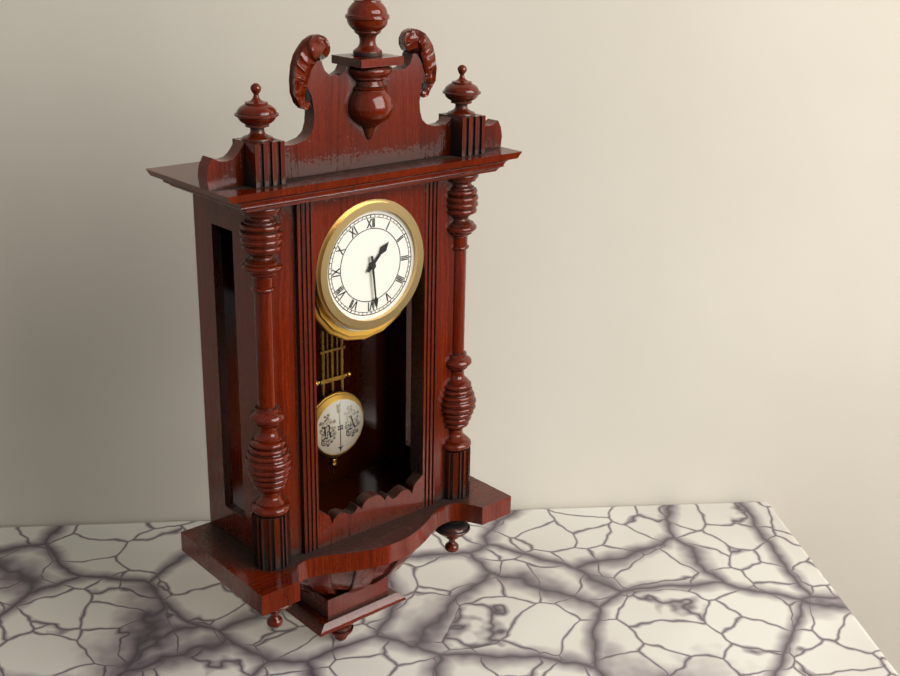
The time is **1:29**
